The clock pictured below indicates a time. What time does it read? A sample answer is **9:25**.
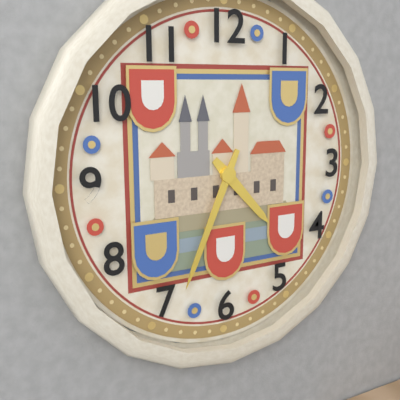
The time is **4:34**
